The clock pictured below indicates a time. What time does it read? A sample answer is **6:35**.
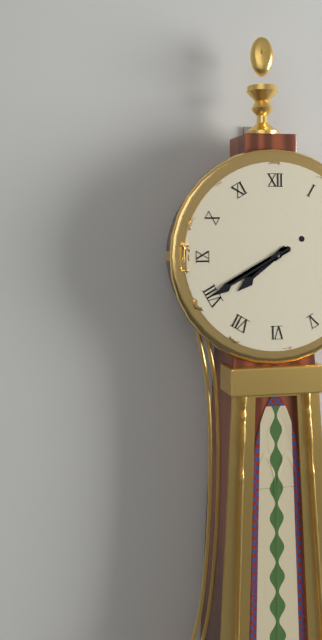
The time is **7:40**
